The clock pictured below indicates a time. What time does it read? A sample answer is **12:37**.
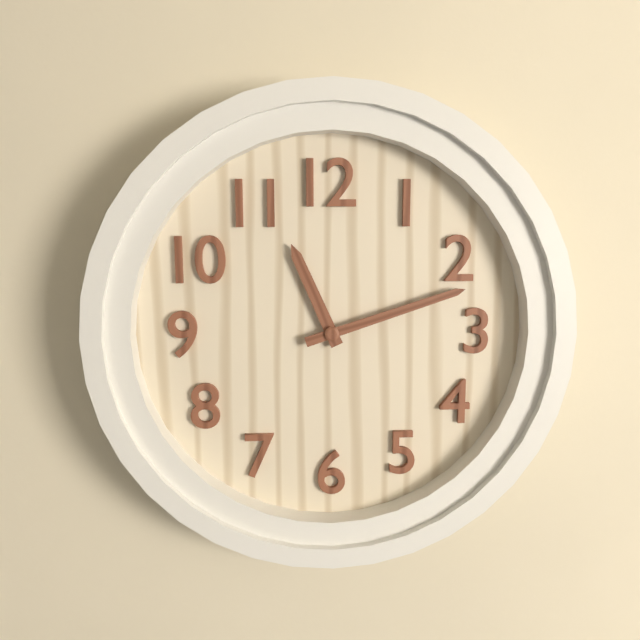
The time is **11:12**
